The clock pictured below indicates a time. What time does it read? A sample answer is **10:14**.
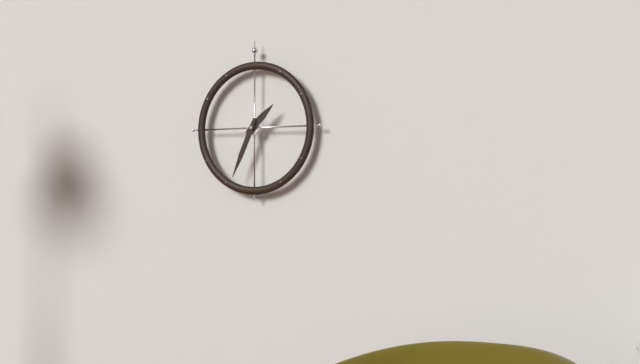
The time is **1:34**
